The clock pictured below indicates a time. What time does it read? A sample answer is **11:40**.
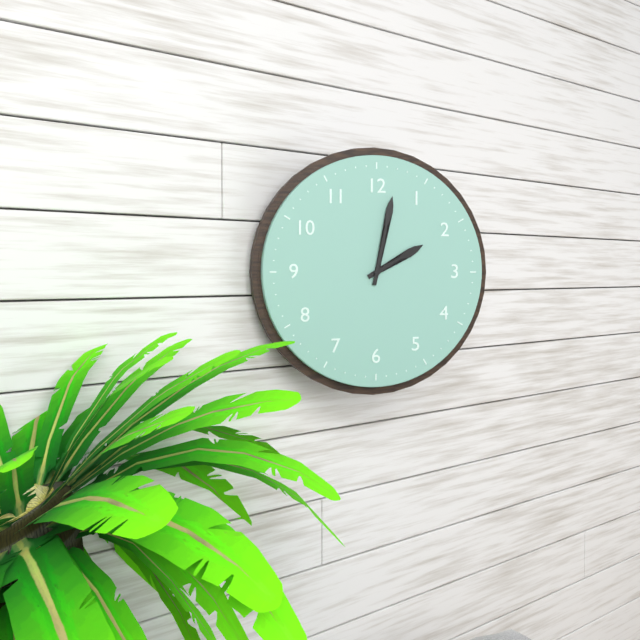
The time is **2:02**
